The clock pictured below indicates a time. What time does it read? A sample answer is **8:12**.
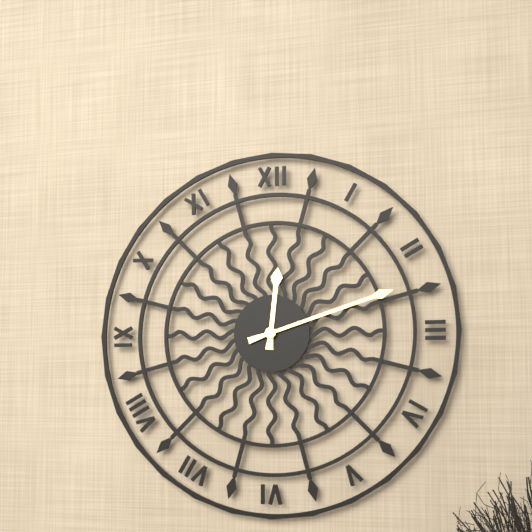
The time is **12:12**
